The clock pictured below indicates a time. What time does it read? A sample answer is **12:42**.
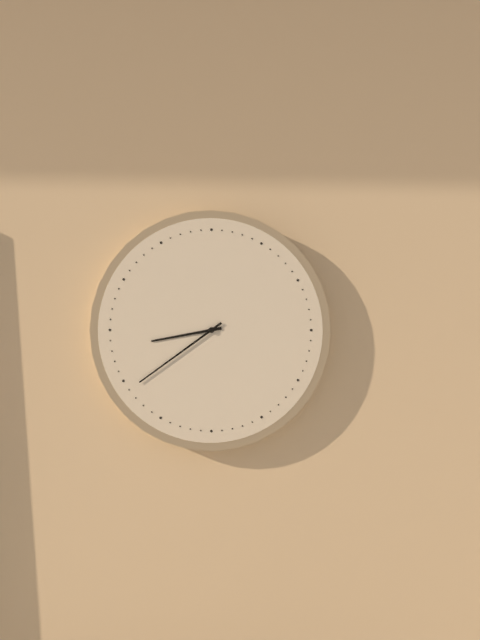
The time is **8:39**
